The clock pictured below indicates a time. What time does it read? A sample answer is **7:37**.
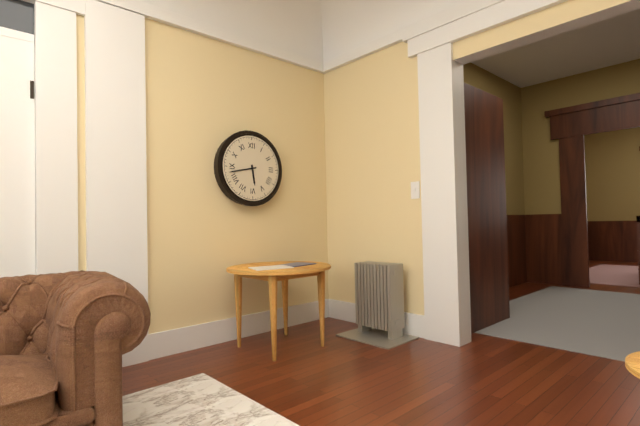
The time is **5:43**
